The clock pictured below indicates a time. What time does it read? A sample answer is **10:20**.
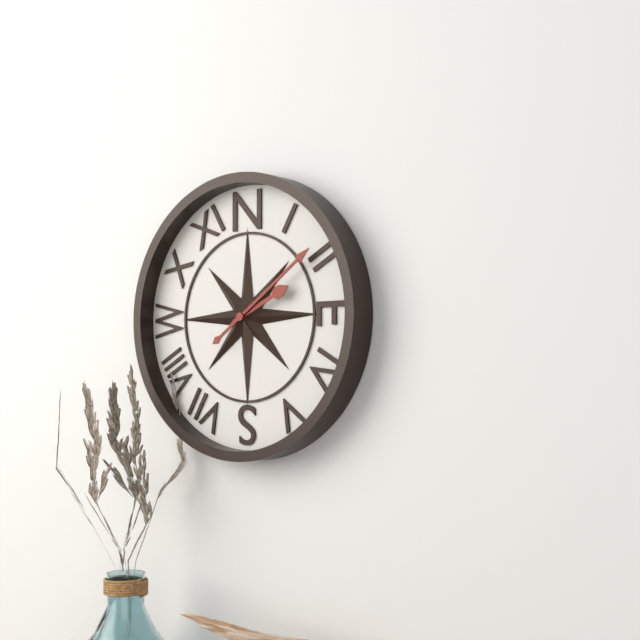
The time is **2:09**
